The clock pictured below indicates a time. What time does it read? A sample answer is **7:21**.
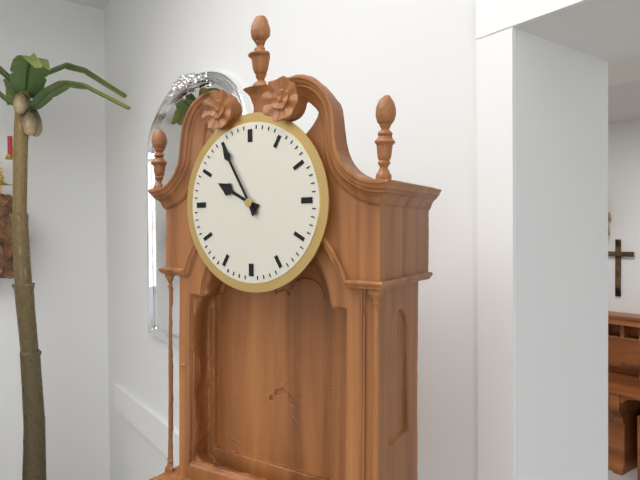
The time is **9:55**
